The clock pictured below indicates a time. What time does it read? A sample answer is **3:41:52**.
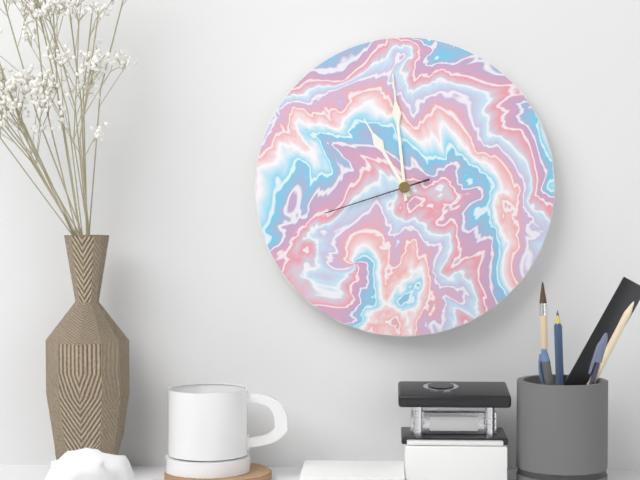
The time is **10:59:42**
